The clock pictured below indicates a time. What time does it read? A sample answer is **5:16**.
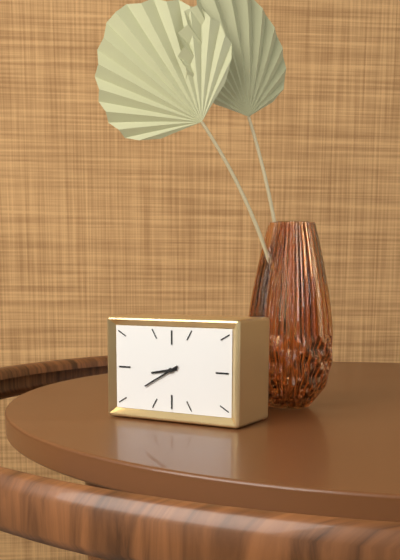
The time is **8:40**
